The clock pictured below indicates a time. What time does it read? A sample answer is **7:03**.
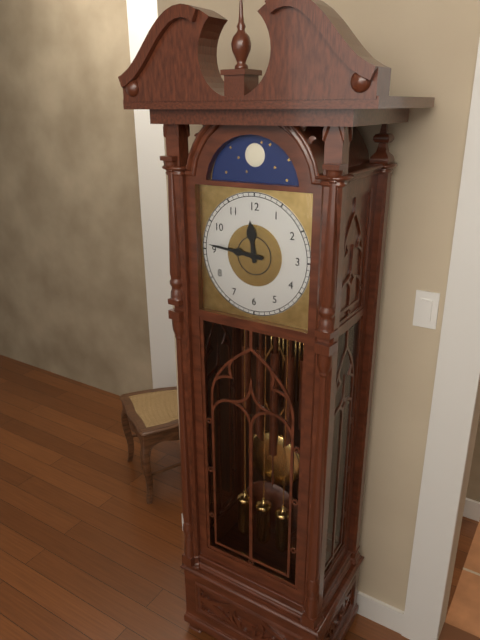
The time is **11:46**
